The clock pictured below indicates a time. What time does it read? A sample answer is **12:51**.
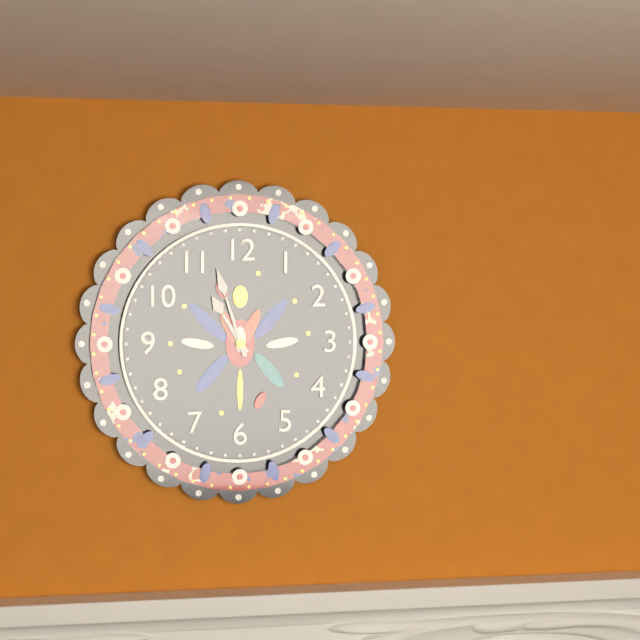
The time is **10:57**
